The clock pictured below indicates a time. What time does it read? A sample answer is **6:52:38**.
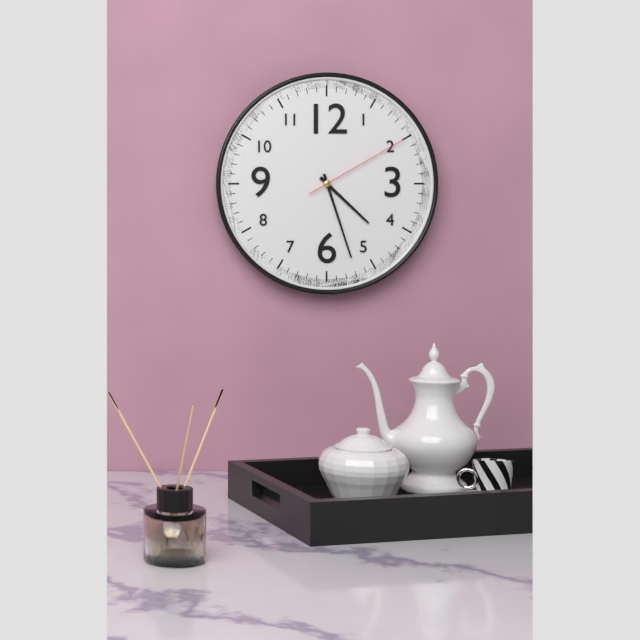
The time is **4:27:10**
